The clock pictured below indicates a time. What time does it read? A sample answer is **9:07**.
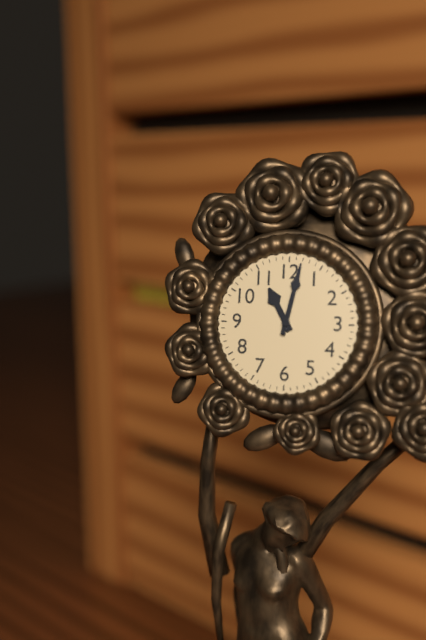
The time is **11:02**
